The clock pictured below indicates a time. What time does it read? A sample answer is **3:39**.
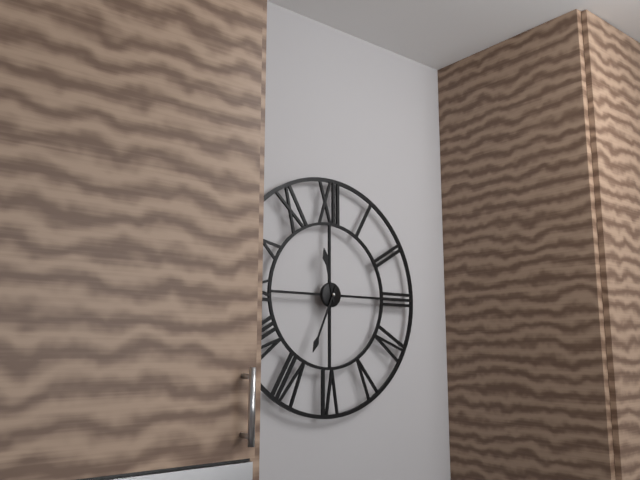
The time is **11:34**
